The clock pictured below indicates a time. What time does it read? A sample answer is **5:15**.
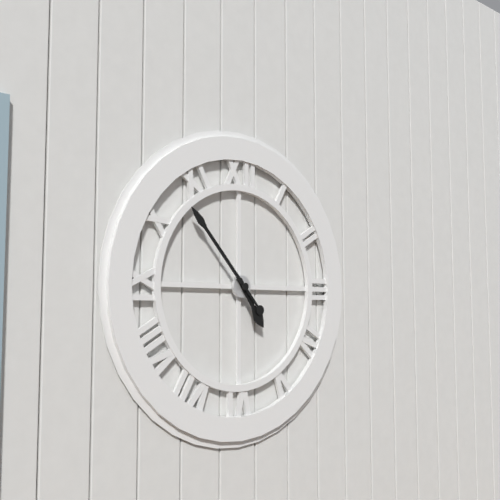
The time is **4:53**
